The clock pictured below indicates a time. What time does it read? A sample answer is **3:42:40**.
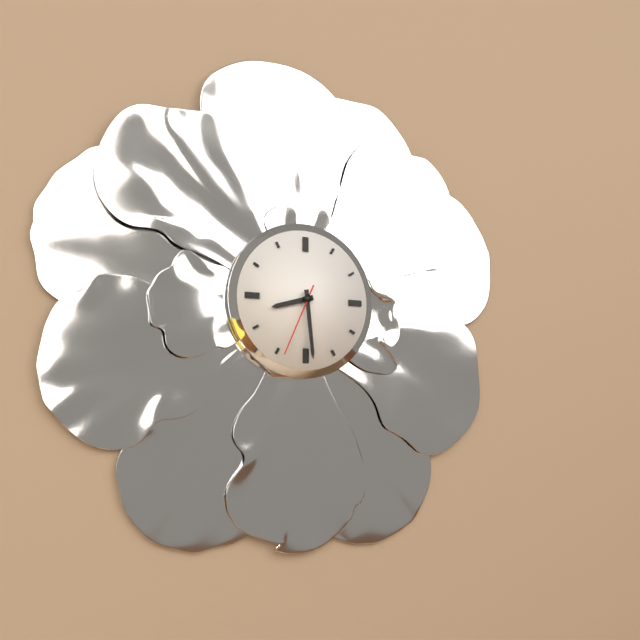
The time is **8:29:34**
